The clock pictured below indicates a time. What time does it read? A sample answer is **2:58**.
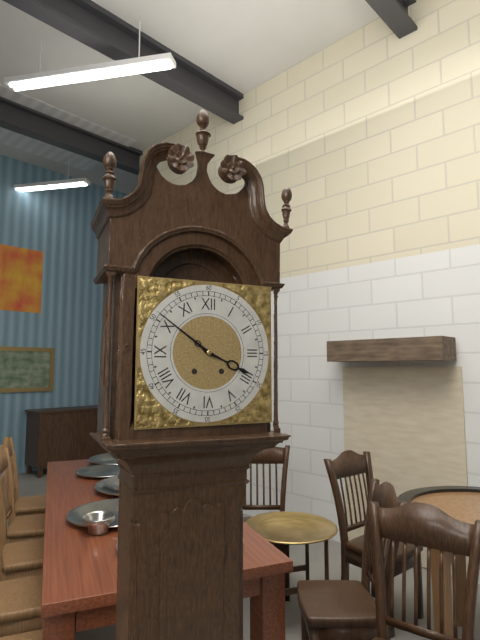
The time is **3:51**
